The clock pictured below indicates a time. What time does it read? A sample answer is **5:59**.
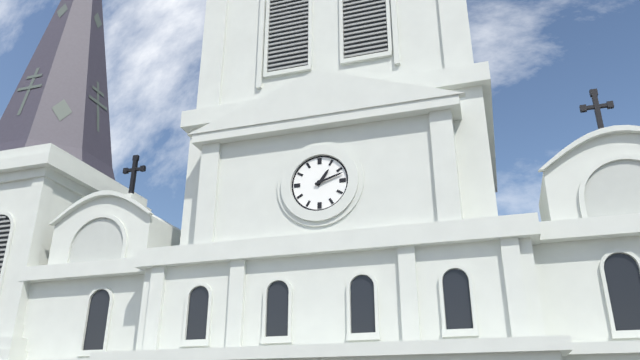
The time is **1:12**
